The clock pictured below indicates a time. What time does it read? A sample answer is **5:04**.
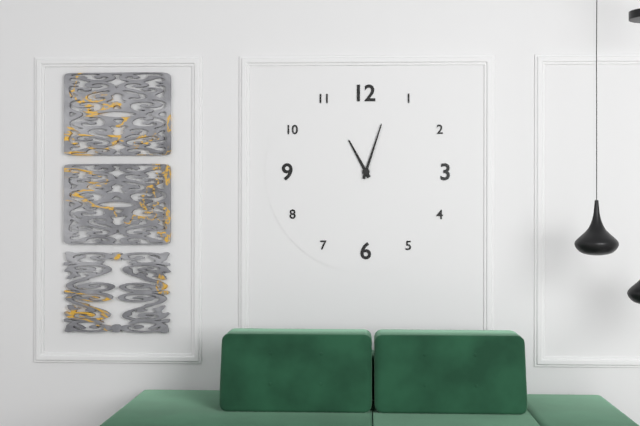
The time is **11:03**
